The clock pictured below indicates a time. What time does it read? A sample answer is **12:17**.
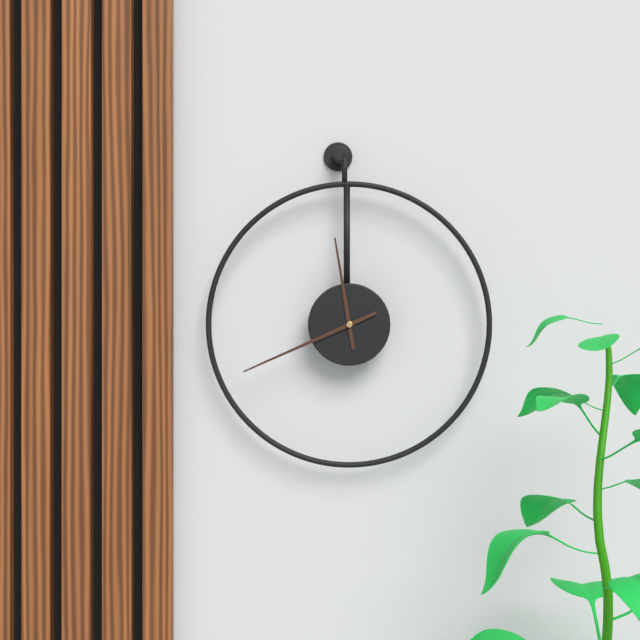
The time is **11:41**
